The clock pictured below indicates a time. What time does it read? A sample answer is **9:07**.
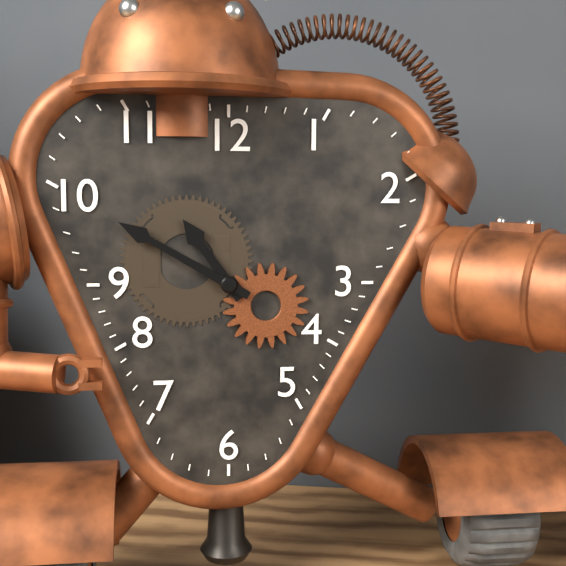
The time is **10:50**
